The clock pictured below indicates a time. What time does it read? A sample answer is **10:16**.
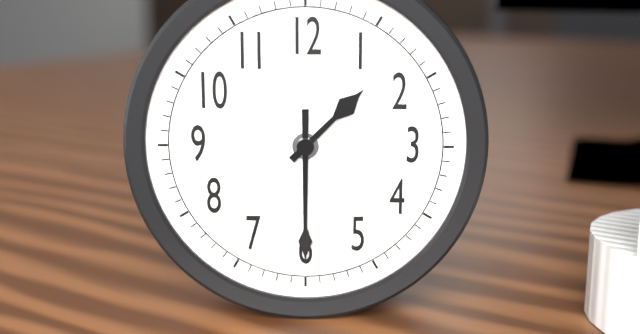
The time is **1:30**
